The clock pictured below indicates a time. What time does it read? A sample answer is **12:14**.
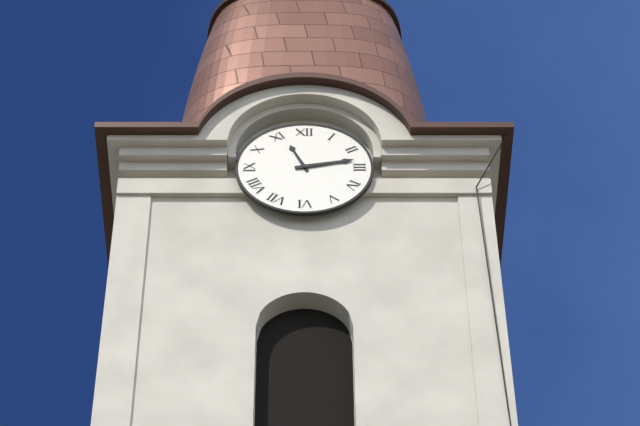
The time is **11:13**
